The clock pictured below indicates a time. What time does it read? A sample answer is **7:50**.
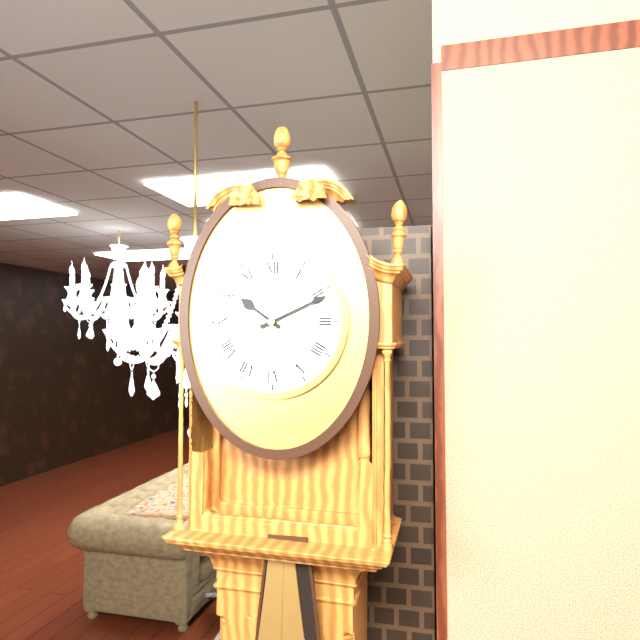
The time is **10:11**
